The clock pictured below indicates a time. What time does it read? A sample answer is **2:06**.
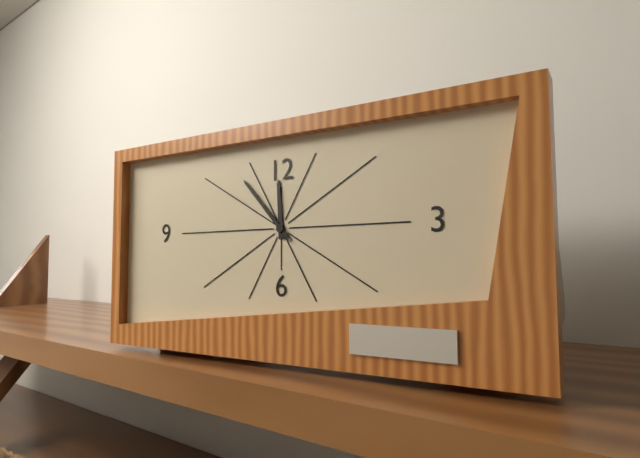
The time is **11:53**
